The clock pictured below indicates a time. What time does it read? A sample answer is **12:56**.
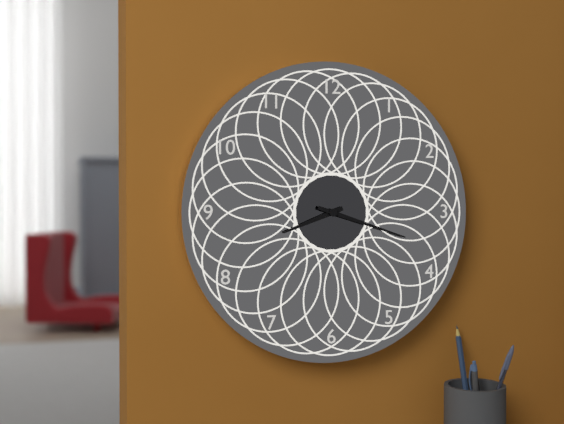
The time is **8:18**
